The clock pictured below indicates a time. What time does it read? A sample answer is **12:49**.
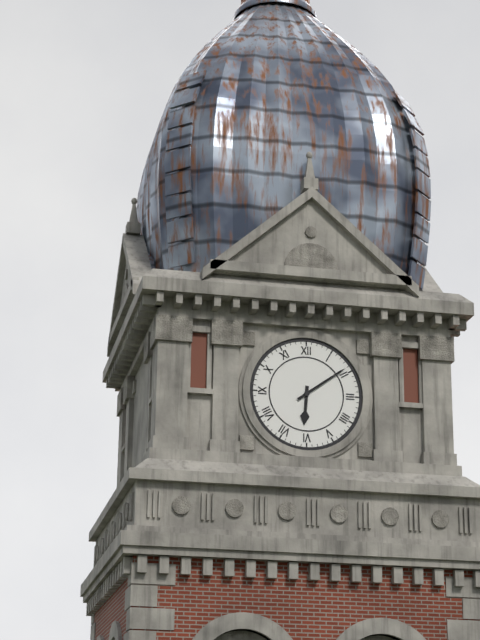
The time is **6:09**
